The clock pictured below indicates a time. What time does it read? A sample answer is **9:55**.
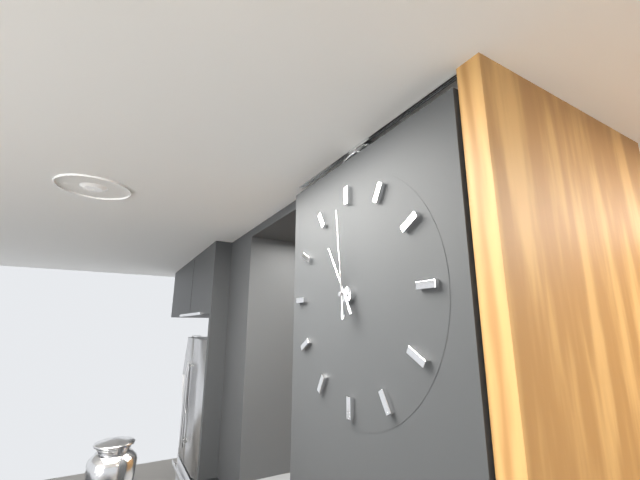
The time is **10:59**
